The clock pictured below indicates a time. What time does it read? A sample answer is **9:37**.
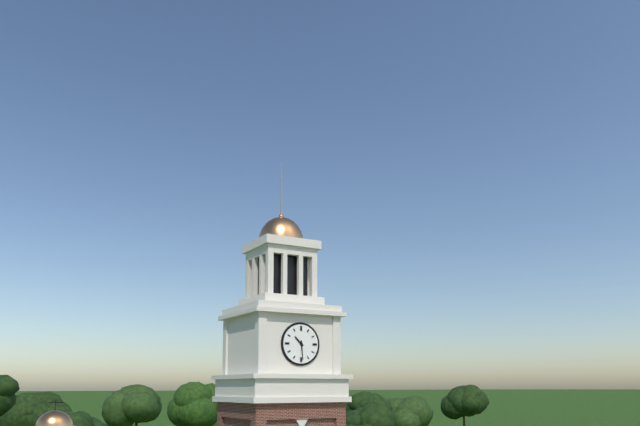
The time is **10:29**
